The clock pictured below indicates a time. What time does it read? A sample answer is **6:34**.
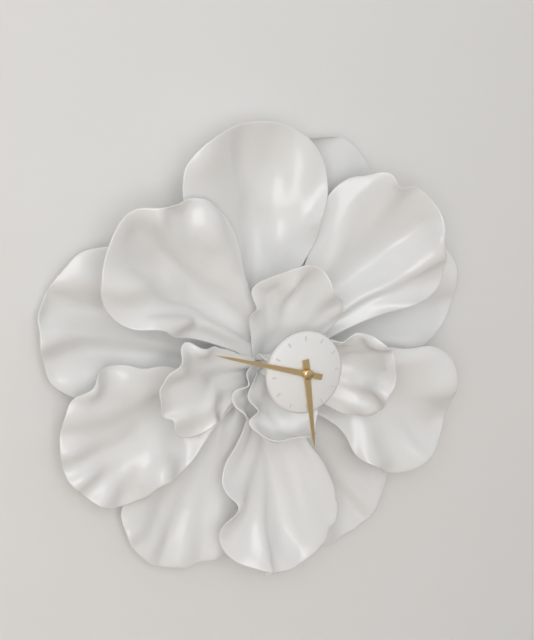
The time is **5:48**
